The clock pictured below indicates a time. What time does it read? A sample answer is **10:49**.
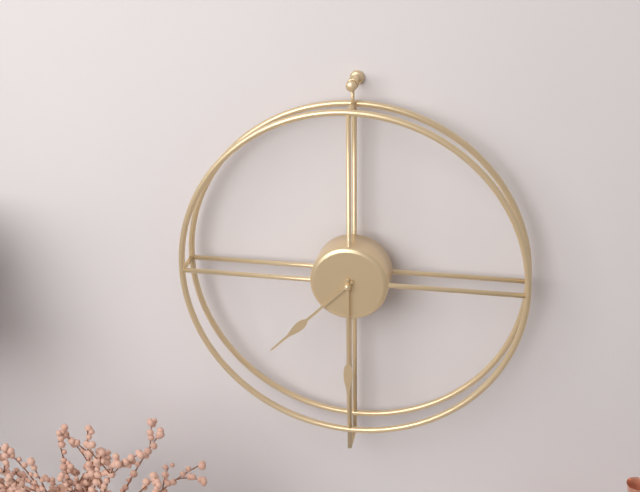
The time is **7:30**
